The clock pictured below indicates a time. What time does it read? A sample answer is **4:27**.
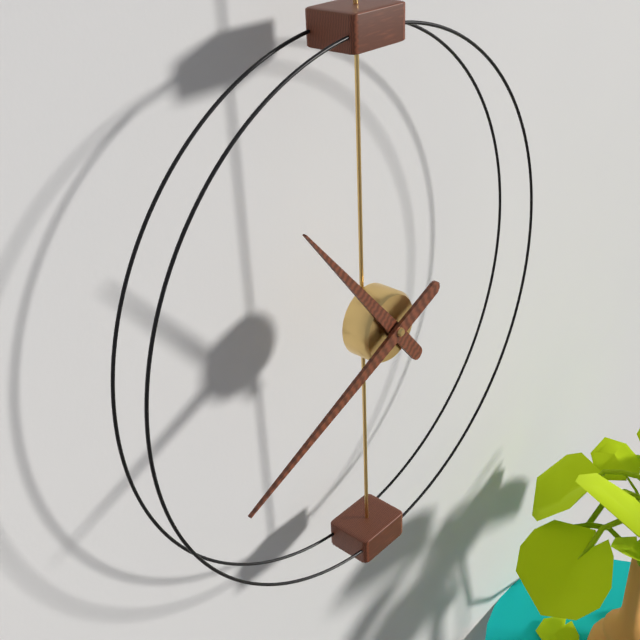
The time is **10:41**
